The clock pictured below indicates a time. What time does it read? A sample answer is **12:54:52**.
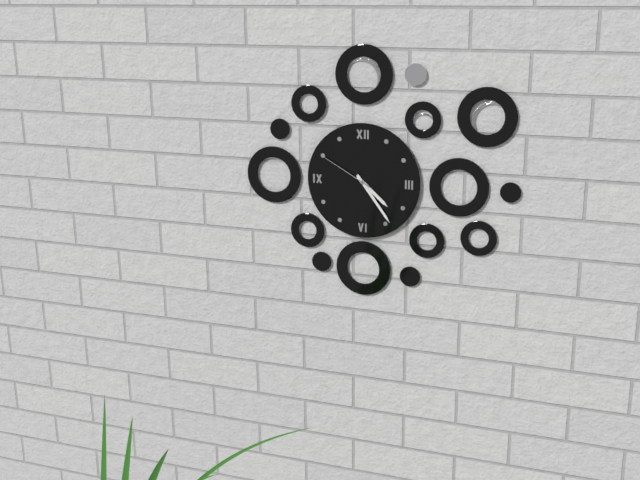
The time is **4:24:50**
